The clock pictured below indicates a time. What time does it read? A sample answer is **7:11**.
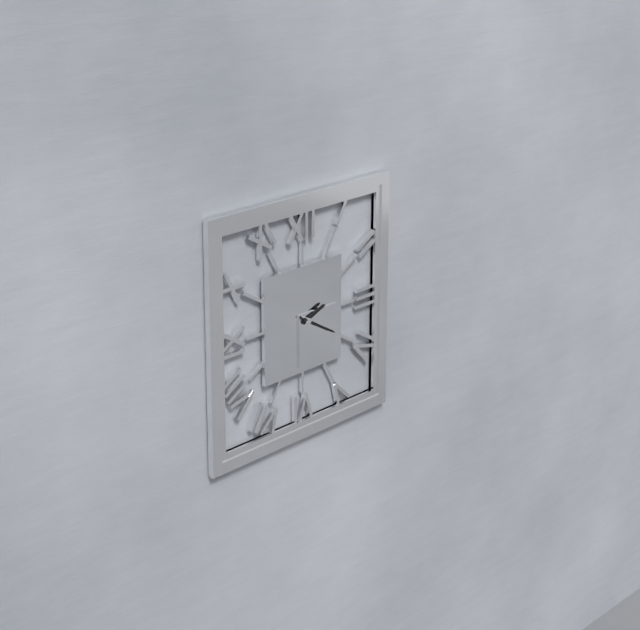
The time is **2:20**
